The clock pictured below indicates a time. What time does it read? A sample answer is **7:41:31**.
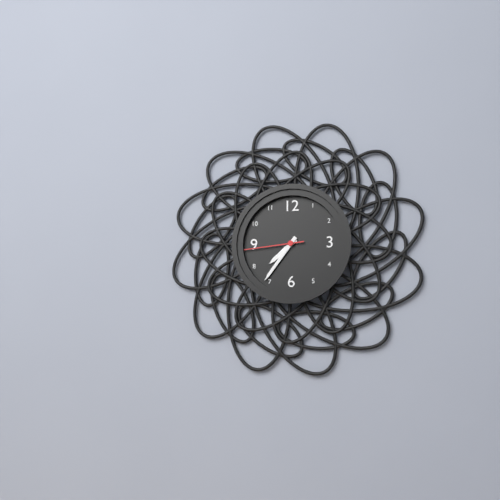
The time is **7:36:44**
